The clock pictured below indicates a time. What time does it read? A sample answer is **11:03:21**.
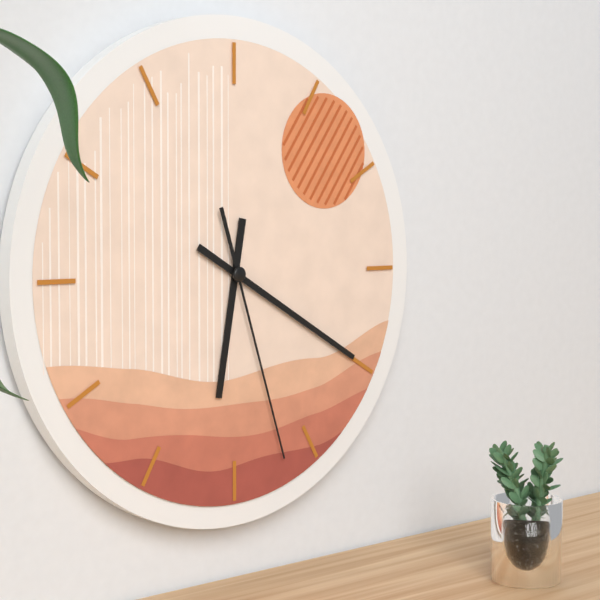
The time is **6:20:27**
